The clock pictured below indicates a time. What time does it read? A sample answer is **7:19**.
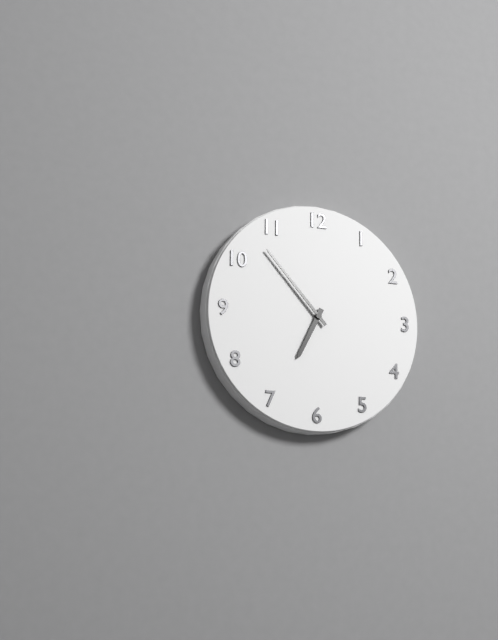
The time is **6:53**
